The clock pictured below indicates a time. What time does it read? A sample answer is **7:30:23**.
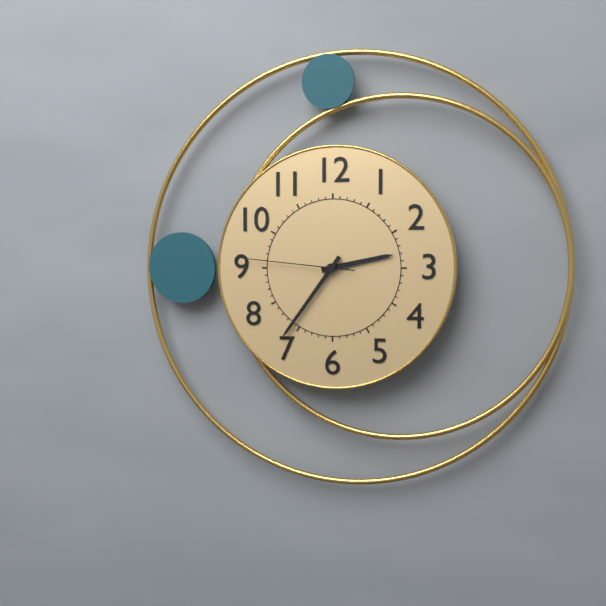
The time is **2:36:46**
